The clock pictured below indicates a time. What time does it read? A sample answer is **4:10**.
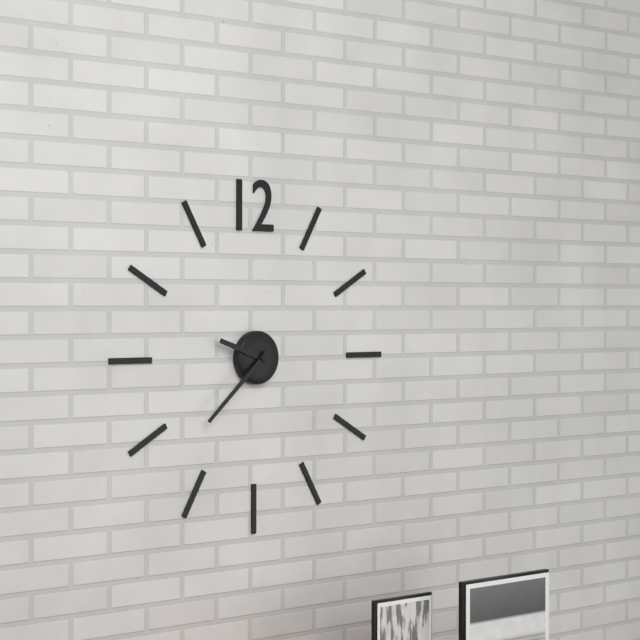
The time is **9:38**
